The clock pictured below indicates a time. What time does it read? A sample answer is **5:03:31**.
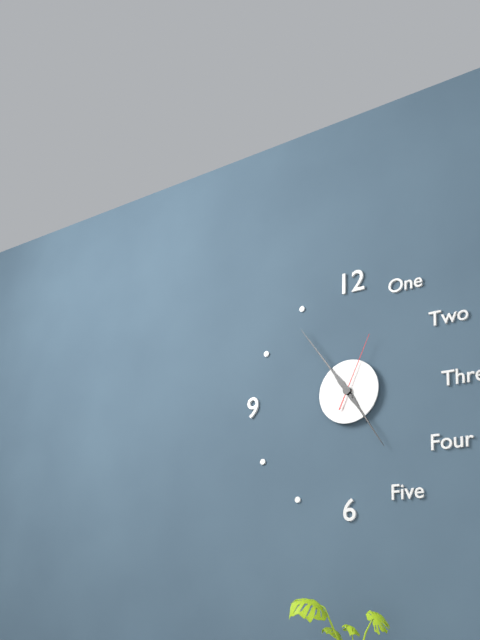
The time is **4:54:04**
